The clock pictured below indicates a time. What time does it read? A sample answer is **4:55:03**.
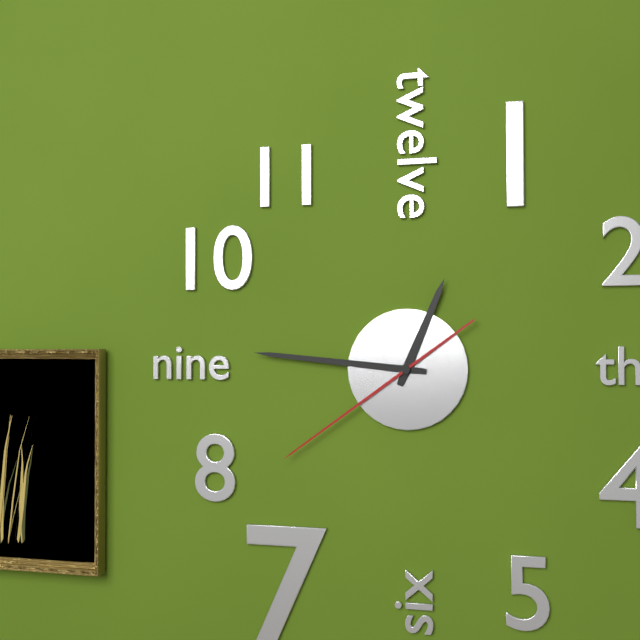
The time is **12:46:39**
